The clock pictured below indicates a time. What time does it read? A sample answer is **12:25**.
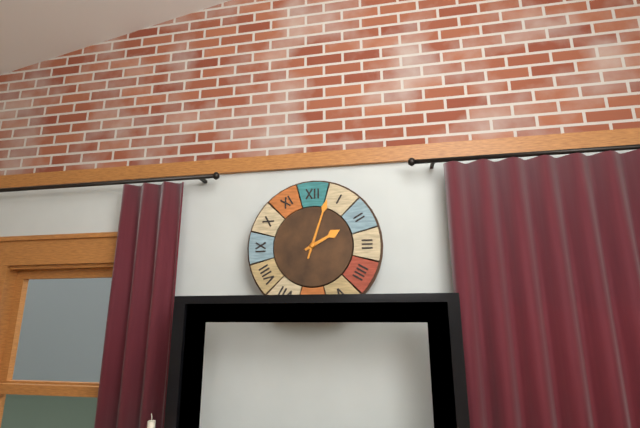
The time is **2:03**
